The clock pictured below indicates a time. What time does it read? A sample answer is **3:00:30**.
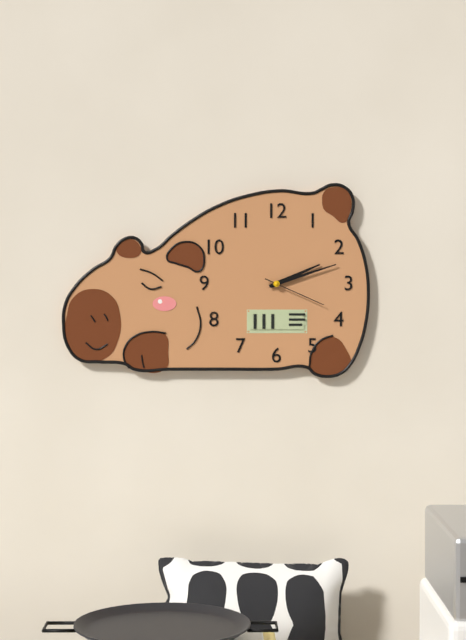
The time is **2:12:19**
